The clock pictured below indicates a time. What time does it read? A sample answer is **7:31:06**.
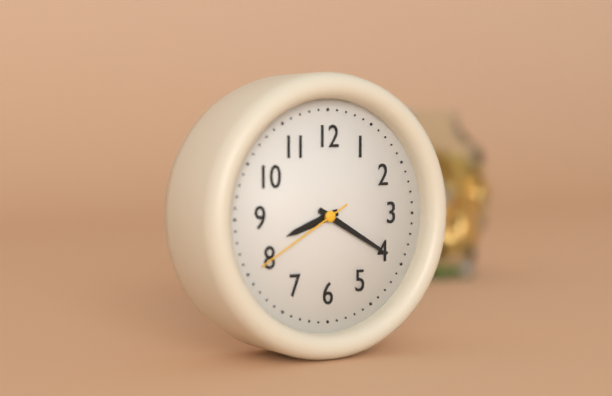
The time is **8:20:40**
